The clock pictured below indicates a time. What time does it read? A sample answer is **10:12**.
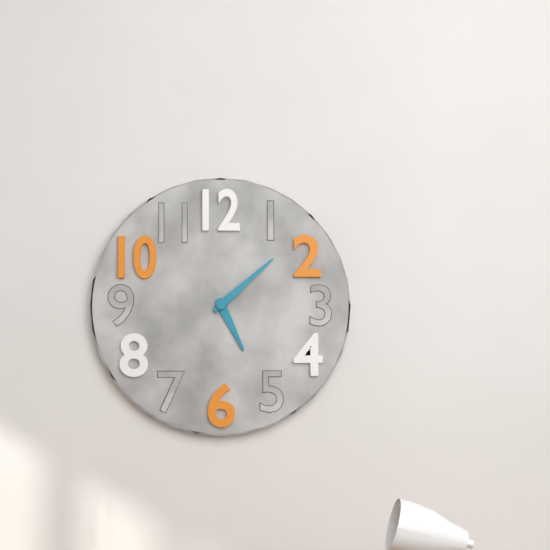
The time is **5:08**
